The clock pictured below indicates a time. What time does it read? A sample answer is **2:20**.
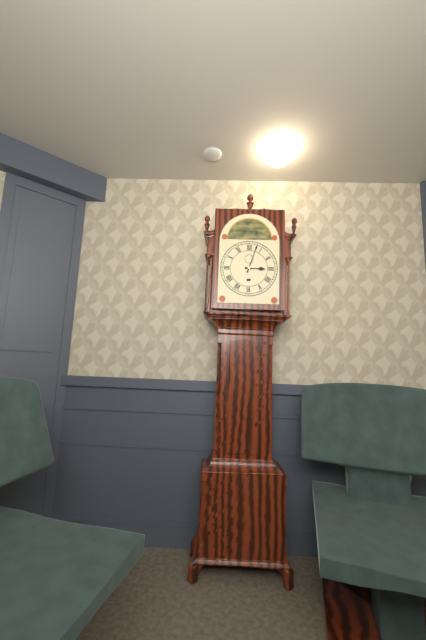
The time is **3:03**
